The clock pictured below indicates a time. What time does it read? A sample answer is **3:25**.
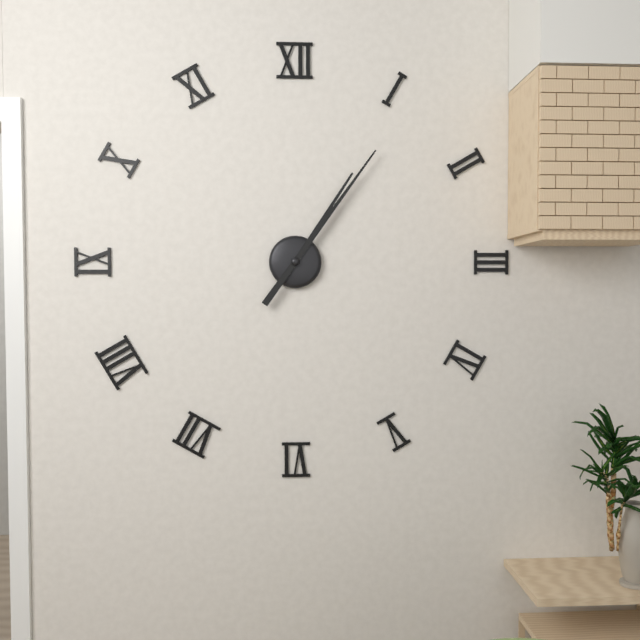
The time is **1:06**
